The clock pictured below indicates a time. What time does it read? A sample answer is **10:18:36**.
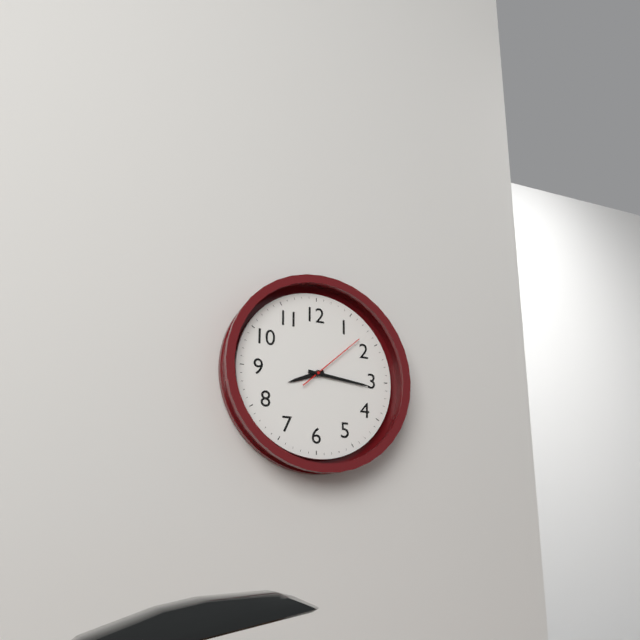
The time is **8:16:08**
